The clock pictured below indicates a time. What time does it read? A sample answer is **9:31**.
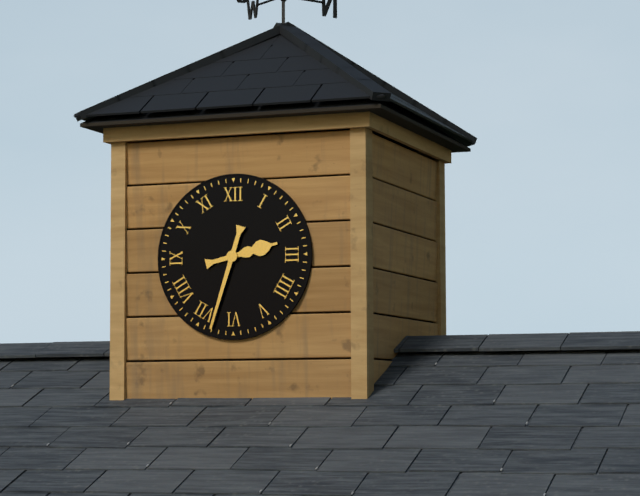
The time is **2:33**
